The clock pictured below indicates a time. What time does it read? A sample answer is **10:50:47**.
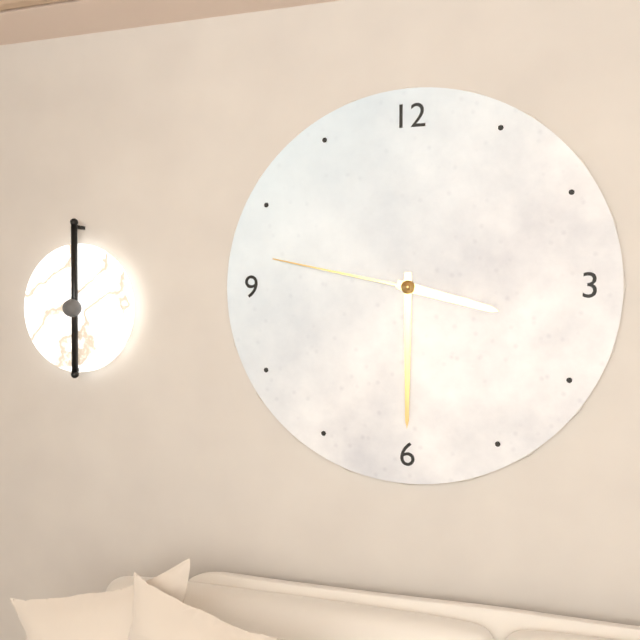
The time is **3:30:47**
